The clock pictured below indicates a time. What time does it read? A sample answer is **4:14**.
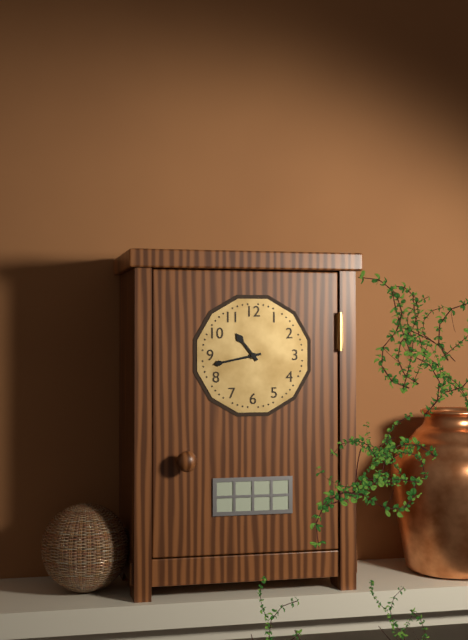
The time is **10:43**
